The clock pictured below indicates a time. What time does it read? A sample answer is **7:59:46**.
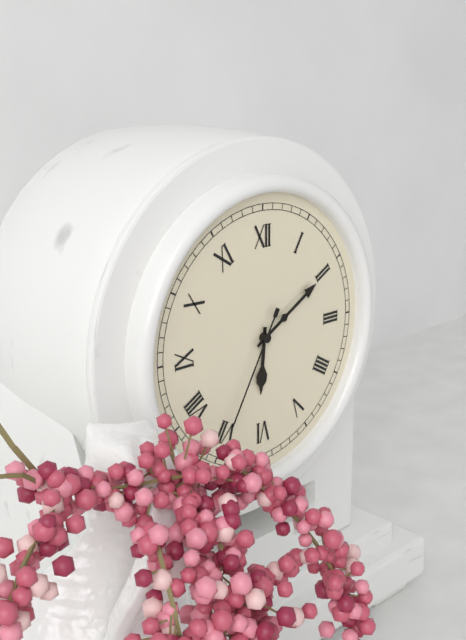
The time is **6:10:35**
